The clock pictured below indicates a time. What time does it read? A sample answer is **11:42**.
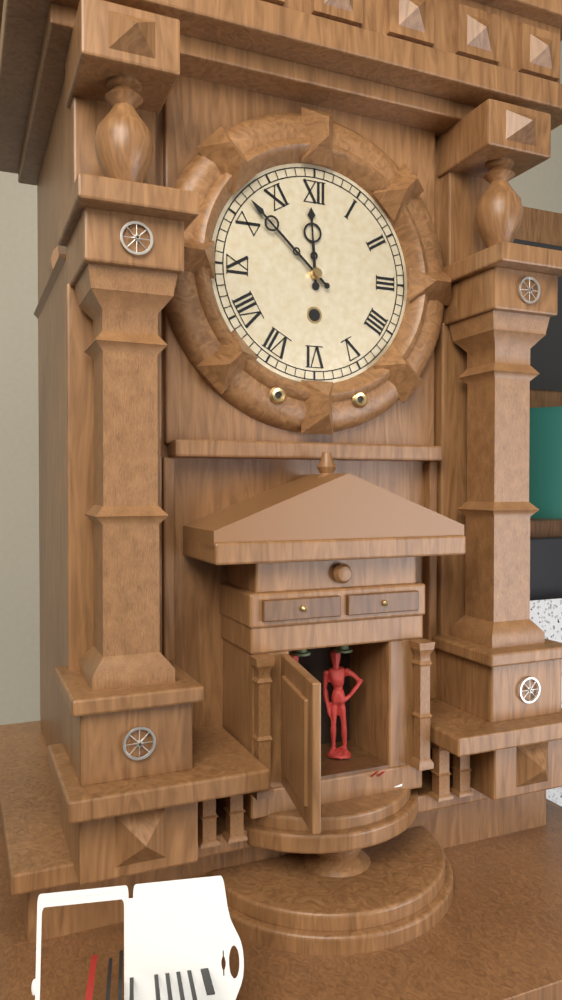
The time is **11:52**
